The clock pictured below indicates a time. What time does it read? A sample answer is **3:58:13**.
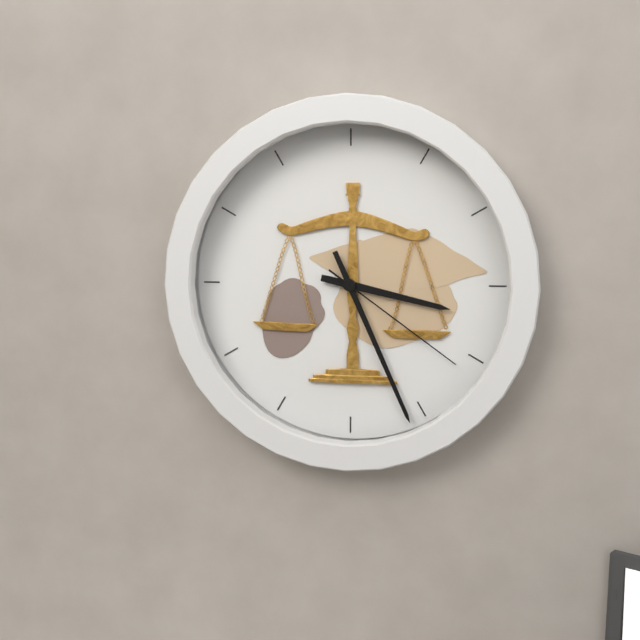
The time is **3:26:21**
